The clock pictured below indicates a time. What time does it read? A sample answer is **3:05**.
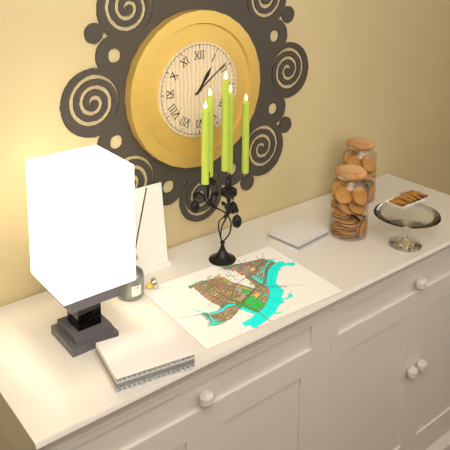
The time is **1:09**
